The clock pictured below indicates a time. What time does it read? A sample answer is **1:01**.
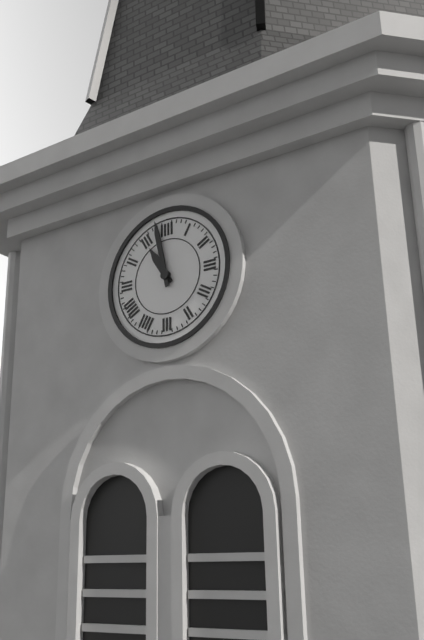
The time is **10:58**
